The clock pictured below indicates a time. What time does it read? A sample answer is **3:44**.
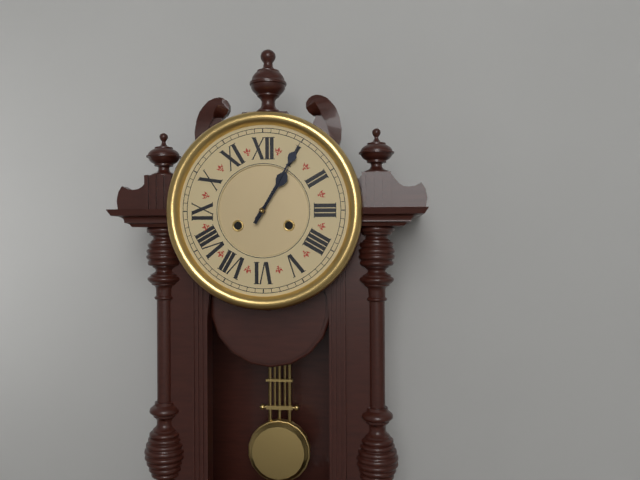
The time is **1:05**
